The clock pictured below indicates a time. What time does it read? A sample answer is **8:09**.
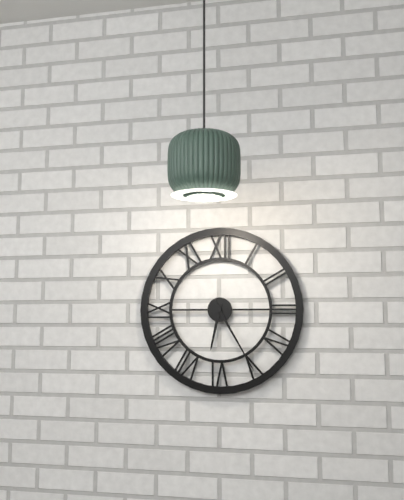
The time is **6:25**
